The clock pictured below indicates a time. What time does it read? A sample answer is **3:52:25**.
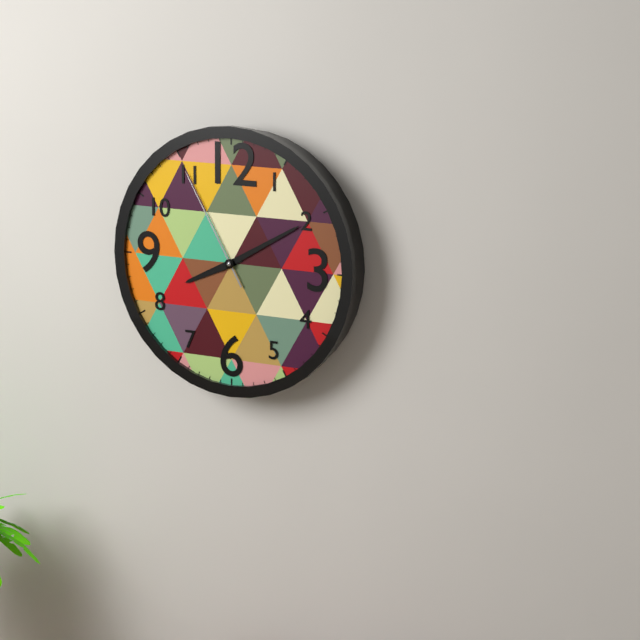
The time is **8:10:55**
